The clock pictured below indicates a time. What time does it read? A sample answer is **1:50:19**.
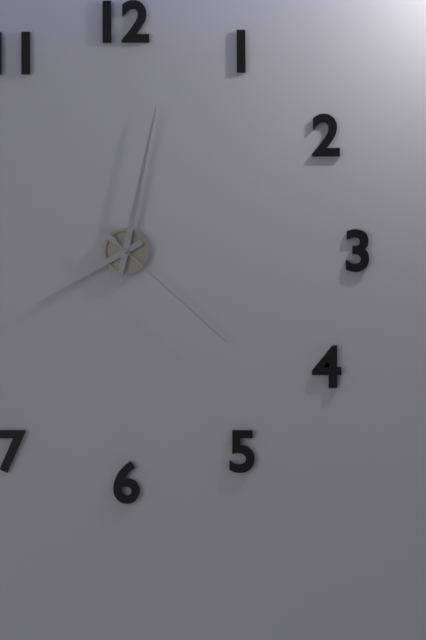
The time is **8:02:22**
